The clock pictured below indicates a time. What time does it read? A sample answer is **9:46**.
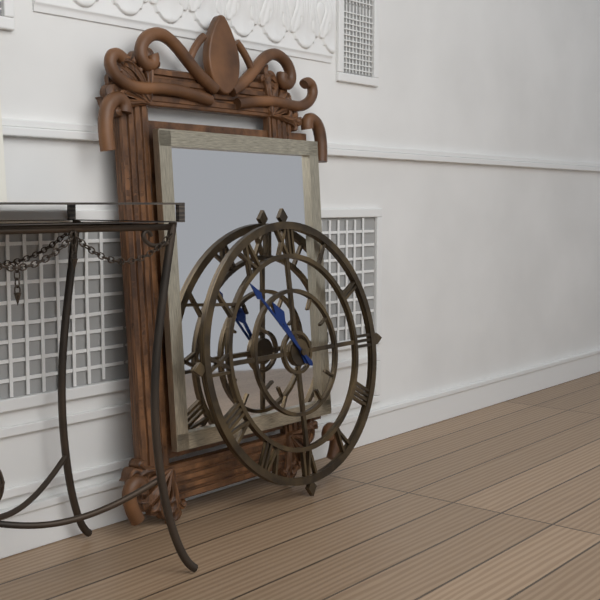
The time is **10:53**
